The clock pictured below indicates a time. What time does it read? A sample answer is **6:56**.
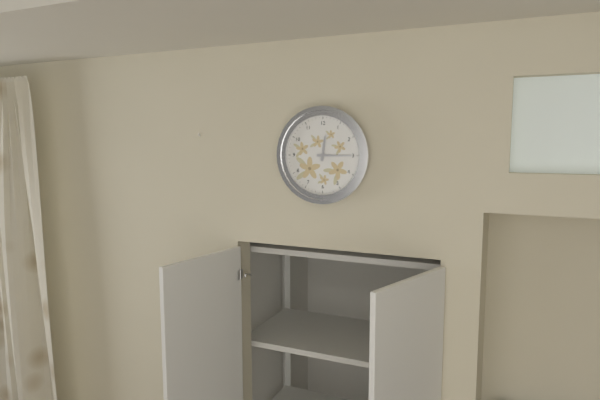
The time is **12:15**
